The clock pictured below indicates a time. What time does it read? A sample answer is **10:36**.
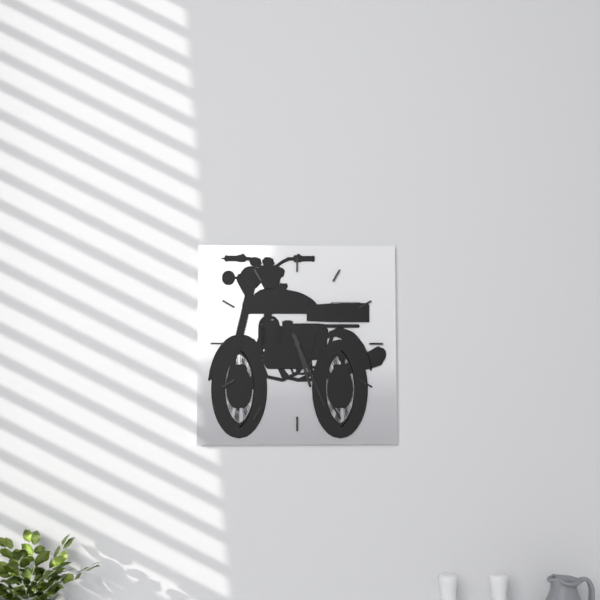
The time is **5:26**
